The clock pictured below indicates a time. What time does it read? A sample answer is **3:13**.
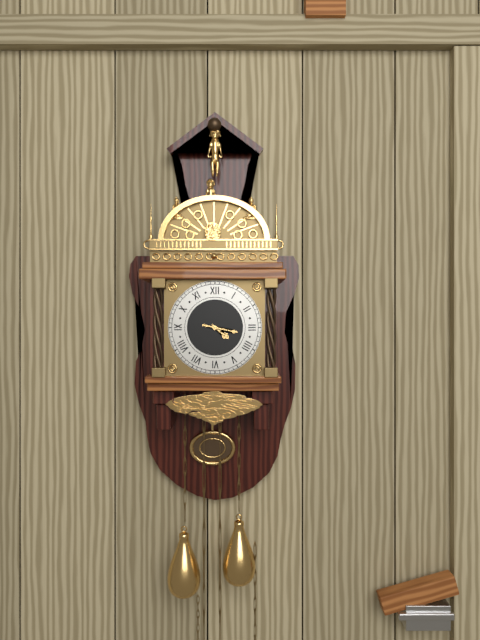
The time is **4:17**
